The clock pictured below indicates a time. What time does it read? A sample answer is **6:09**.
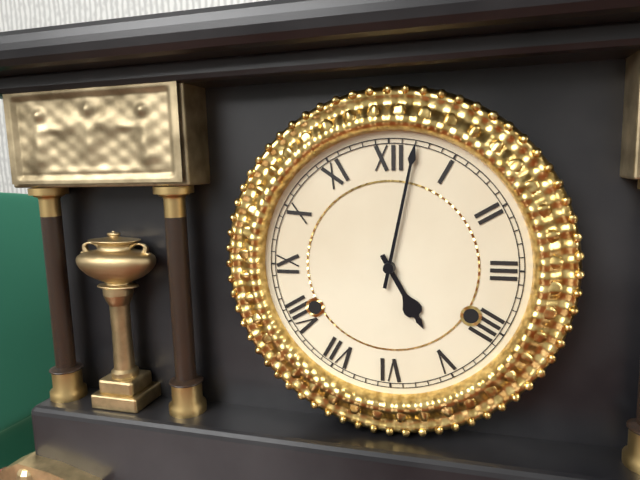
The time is **5:02**
